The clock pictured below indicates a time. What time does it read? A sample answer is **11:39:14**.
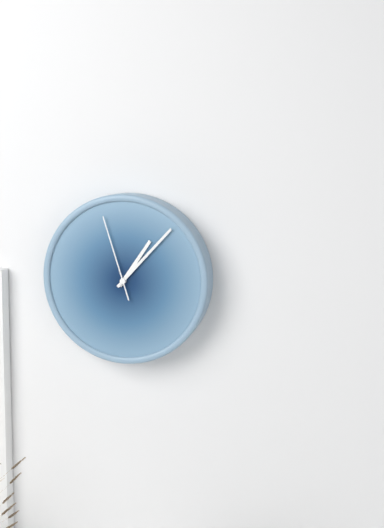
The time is **1:07:57**
